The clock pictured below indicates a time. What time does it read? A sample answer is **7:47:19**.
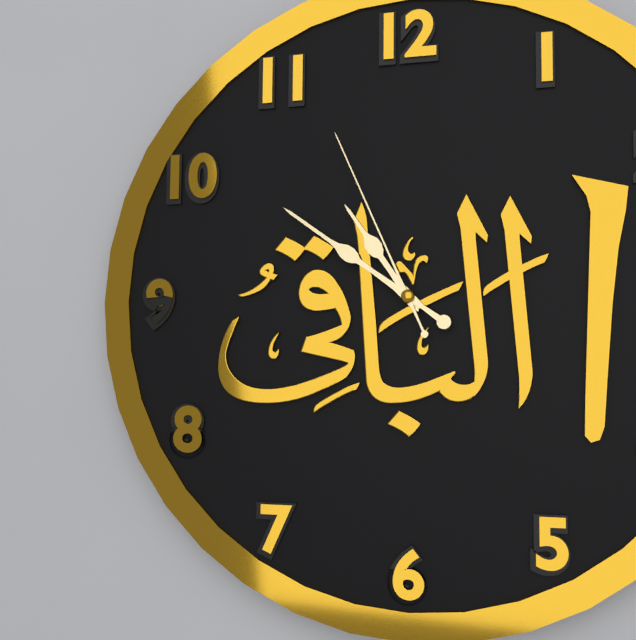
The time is **10:51:56**
